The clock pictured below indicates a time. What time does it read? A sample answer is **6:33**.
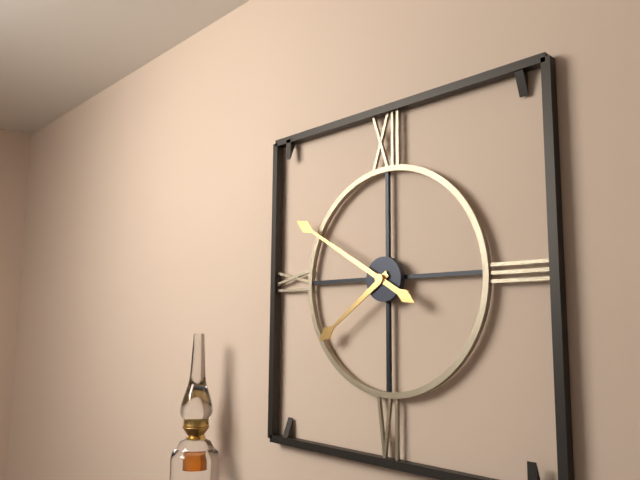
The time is **7:50**
